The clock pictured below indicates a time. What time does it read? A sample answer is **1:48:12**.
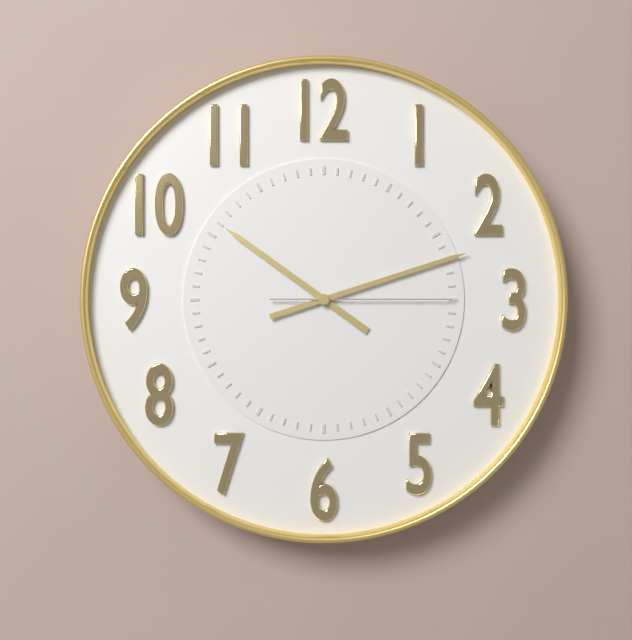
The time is **10:12:15**
